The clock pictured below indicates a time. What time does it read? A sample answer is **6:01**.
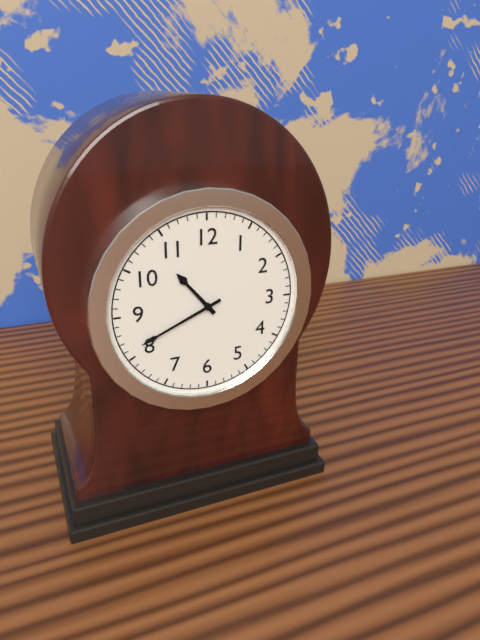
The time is **10:41**
